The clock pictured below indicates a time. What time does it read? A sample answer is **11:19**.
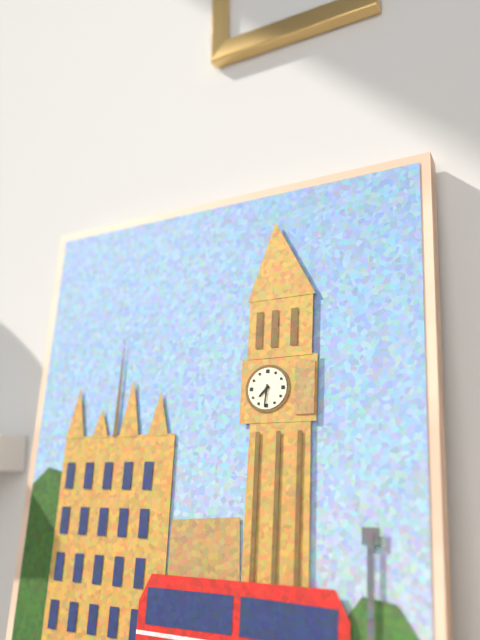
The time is **7:31**
